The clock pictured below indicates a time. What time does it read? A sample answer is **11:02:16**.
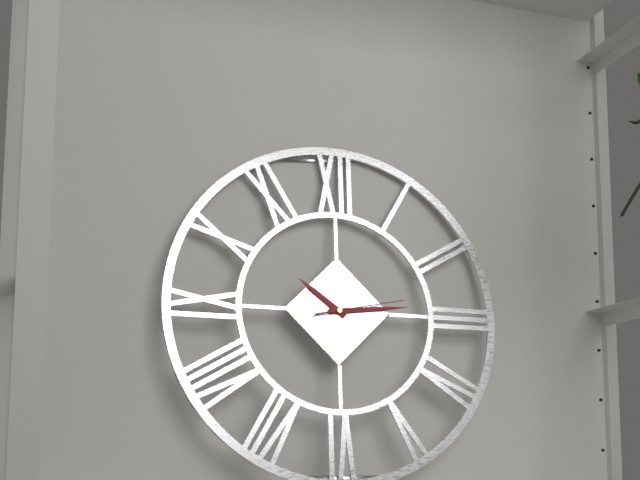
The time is **10:14:13**
